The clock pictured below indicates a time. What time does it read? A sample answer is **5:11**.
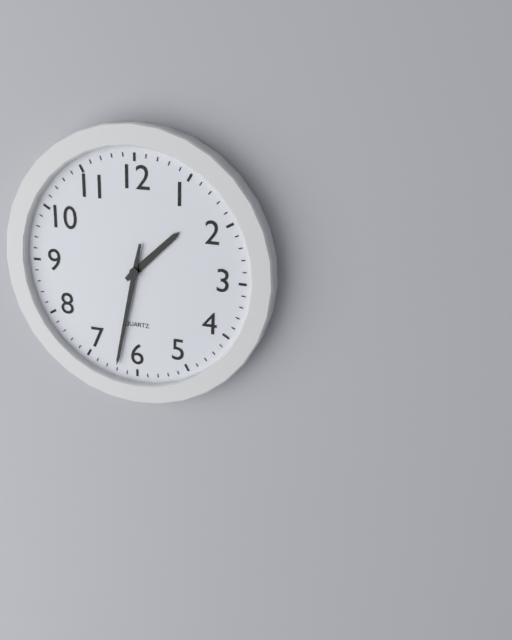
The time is **1:32**
